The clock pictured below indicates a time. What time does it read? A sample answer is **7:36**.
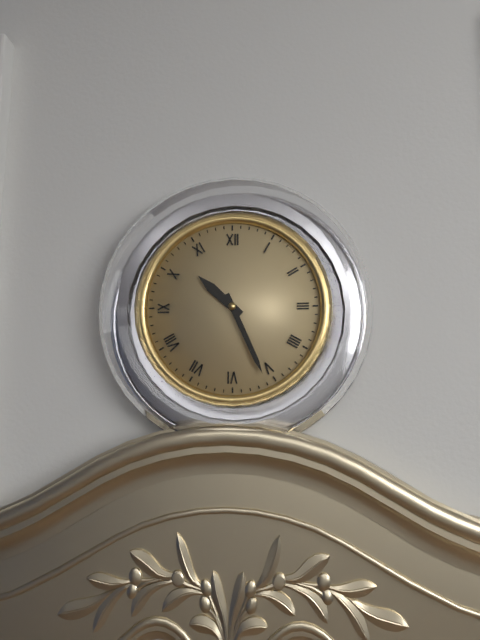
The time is **10:26**
